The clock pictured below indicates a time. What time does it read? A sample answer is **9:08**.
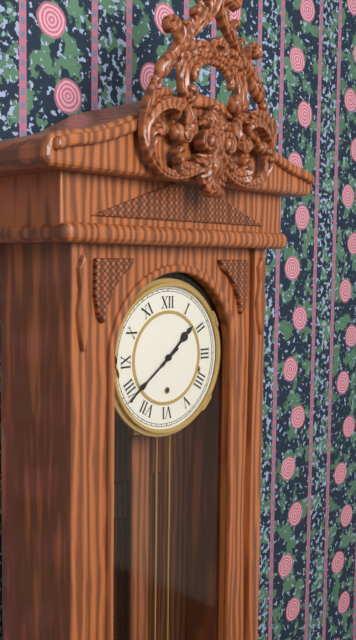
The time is **1:39**
